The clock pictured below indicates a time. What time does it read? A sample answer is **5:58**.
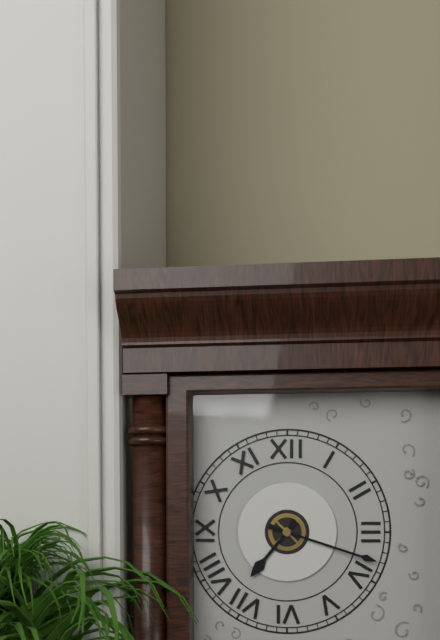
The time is **7:18**
